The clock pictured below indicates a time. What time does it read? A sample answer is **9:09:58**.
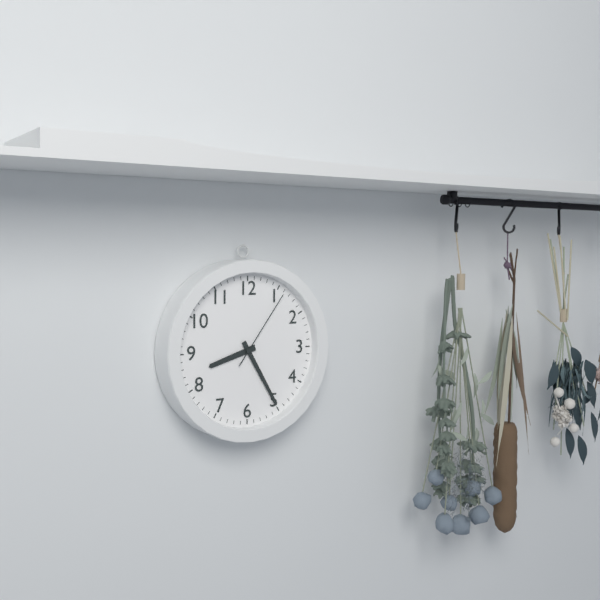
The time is **8:25:06**
